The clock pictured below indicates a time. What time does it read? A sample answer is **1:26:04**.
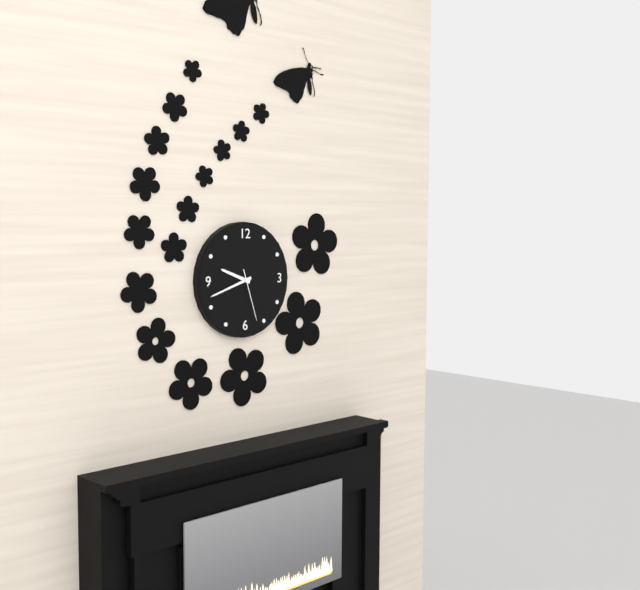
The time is **9:42:27**
